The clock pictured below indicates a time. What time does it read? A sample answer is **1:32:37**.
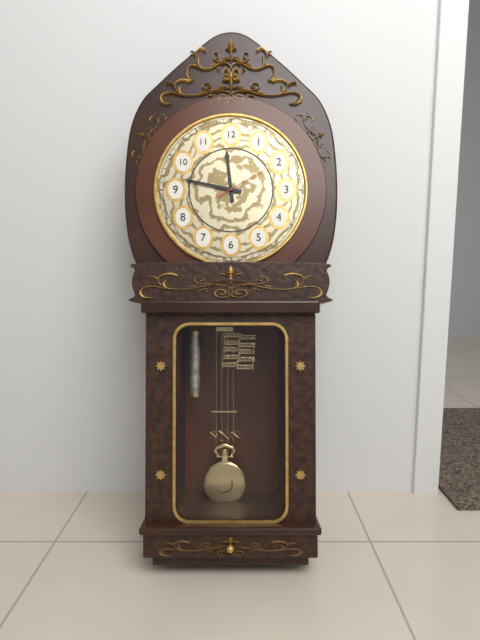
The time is **11:47:10**
